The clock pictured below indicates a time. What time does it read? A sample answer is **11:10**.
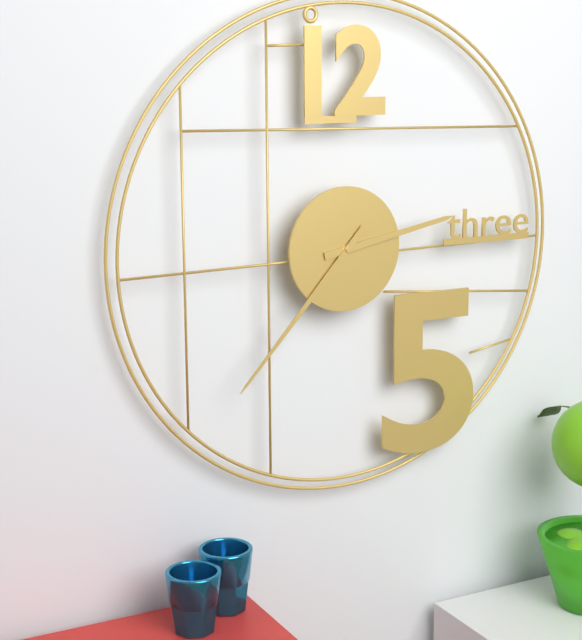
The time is **2:37**
